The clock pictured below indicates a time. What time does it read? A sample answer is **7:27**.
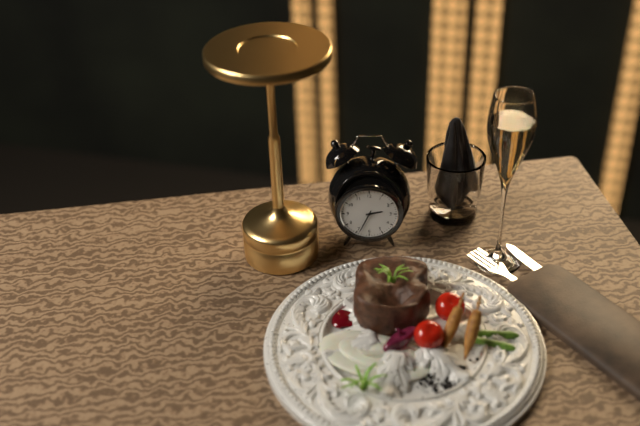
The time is **2:34**
